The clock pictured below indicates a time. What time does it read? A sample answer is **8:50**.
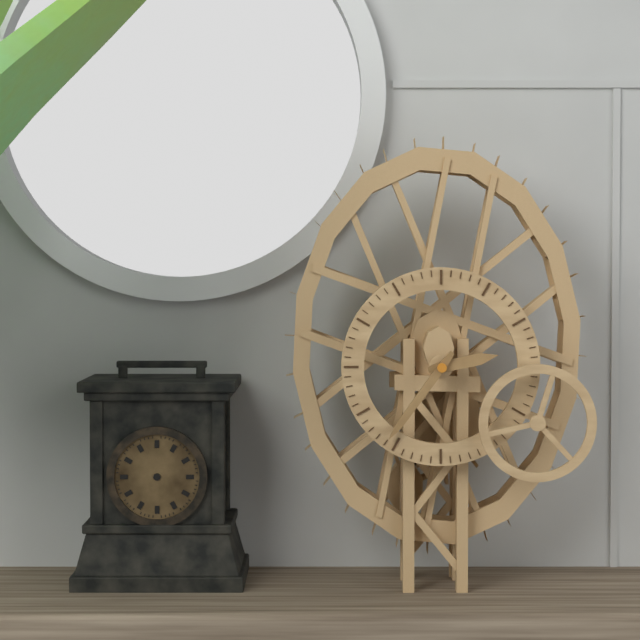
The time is **2:36**
